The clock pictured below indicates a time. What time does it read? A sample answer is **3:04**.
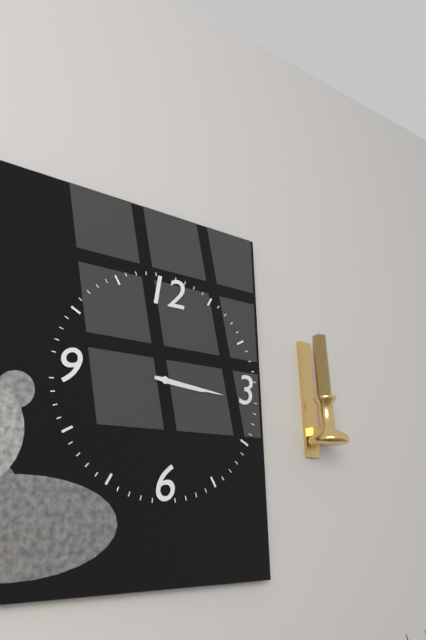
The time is **3:16**
